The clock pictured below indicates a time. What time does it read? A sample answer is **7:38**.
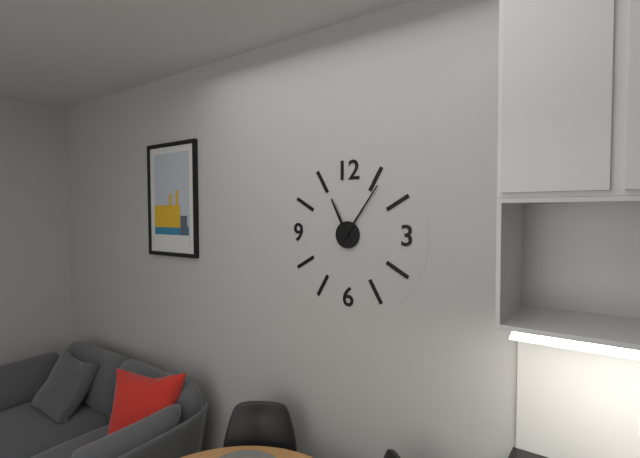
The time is **11:06**
